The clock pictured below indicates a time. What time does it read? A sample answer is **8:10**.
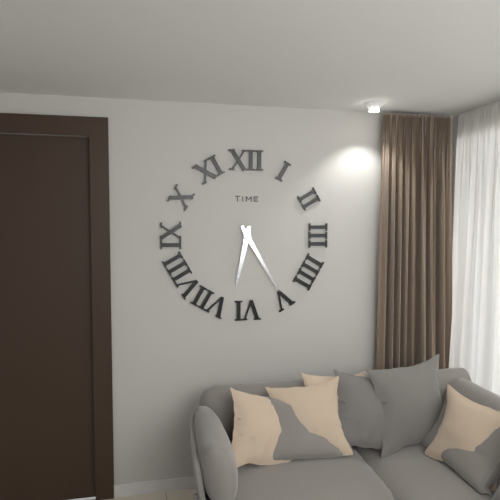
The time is **6:25**
